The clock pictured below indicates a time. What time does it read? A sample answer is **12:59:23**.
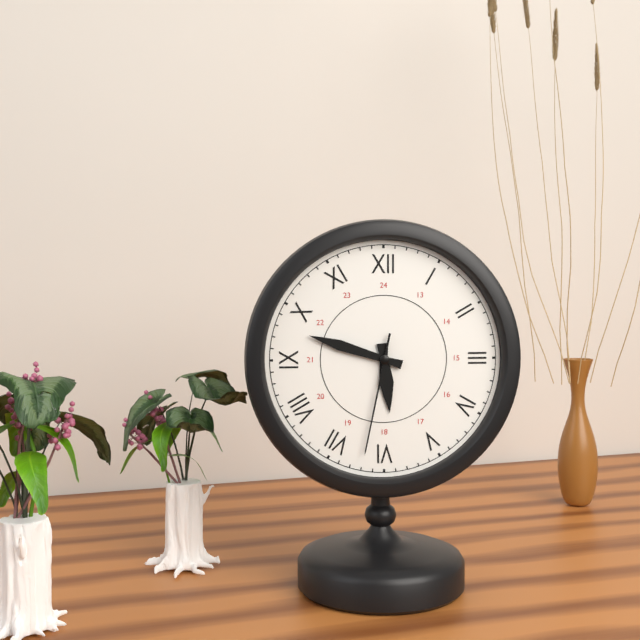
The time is **5:48:32**
